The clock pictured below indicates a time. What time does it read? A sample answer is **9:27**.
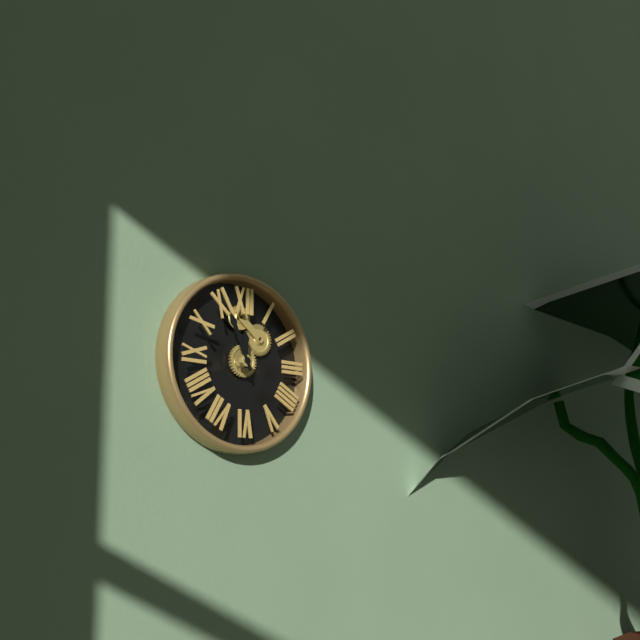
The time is **11:56**
